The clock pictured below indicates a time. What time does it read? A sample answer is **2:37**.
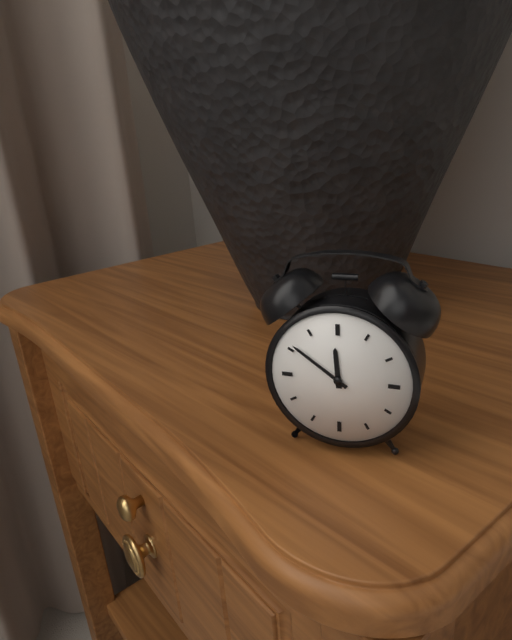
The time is **11:51**
